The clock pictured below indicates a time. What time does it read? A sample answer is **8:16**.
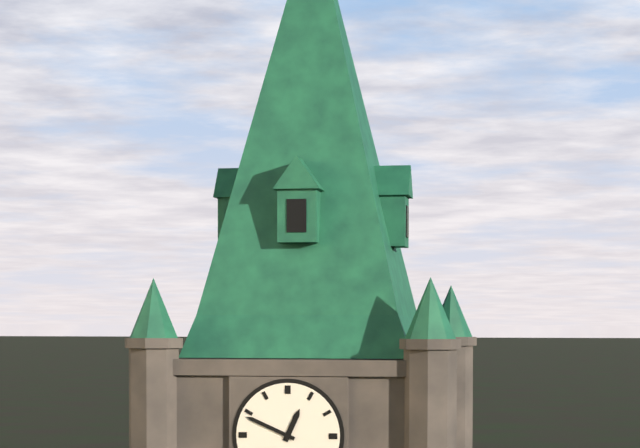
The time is **12:49**
